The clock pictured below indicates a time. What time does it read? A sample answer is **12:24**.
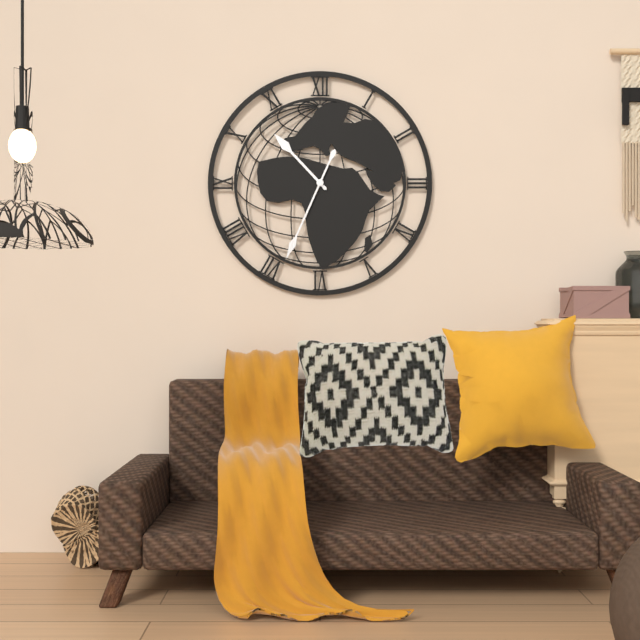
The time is **10:34**
